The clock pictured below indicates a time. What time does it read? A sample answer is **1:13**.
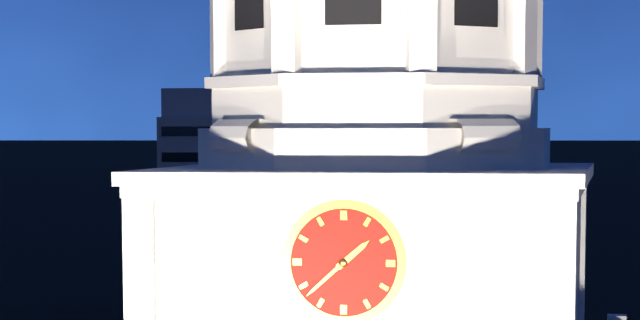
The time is **1:38**
